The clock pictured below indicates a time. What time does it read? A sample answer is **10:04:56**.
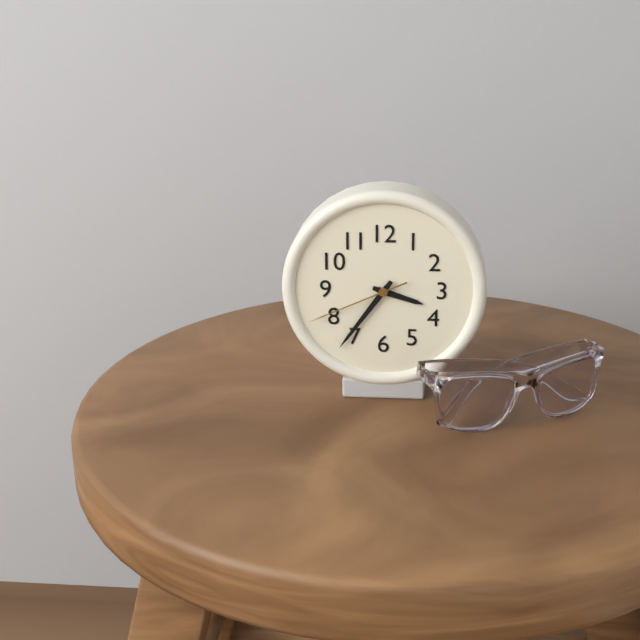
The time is **3:36:41**
